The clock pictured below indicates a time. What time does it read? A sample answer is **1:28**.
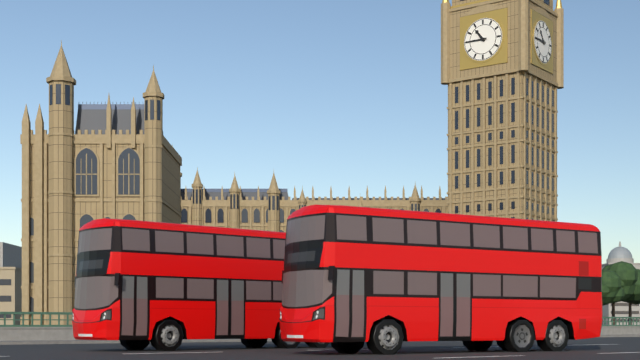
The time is **10:45**
